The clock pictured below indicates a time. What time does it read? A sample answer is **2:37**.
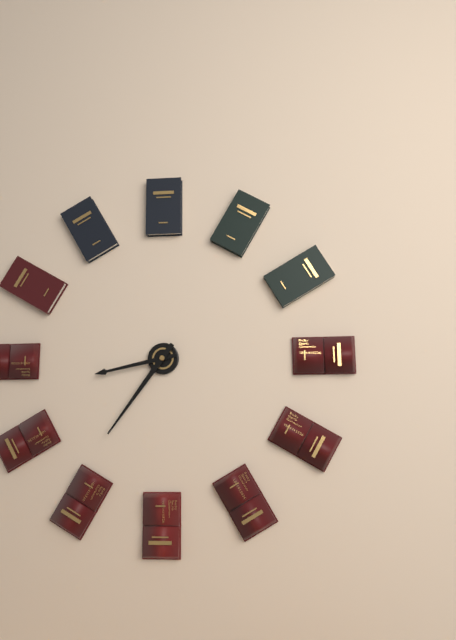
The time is **8:36**
